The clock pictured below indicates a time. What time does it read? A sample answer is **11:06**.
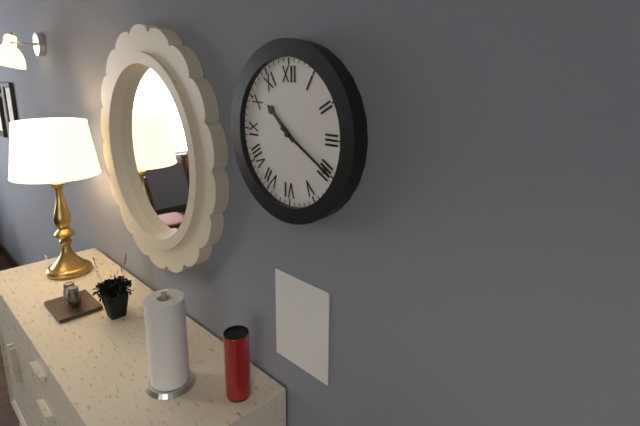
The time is **10:20**
